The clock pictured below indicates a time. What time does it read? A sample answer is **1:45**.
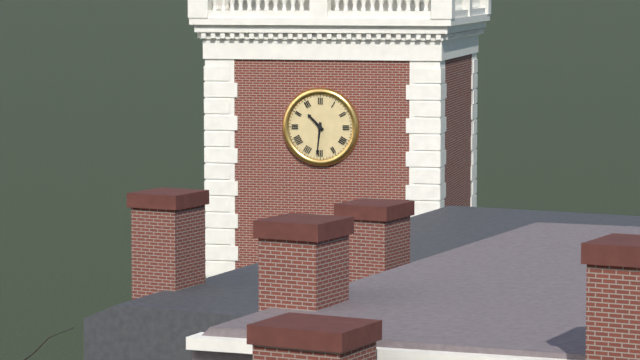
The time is **10:31**
